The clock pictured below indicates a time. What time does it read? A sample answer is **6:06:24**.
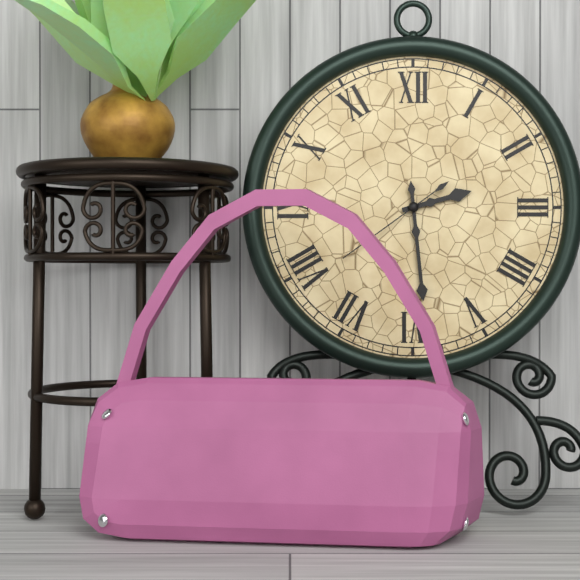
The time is **2:29:39**
